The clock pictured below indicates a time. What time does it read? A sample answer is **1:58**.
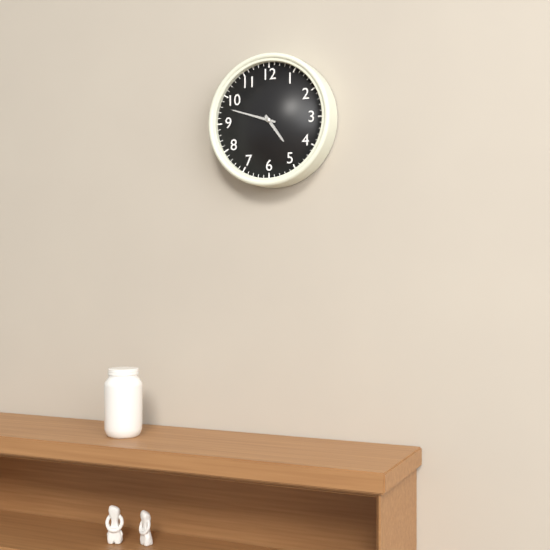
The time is **4:48**
